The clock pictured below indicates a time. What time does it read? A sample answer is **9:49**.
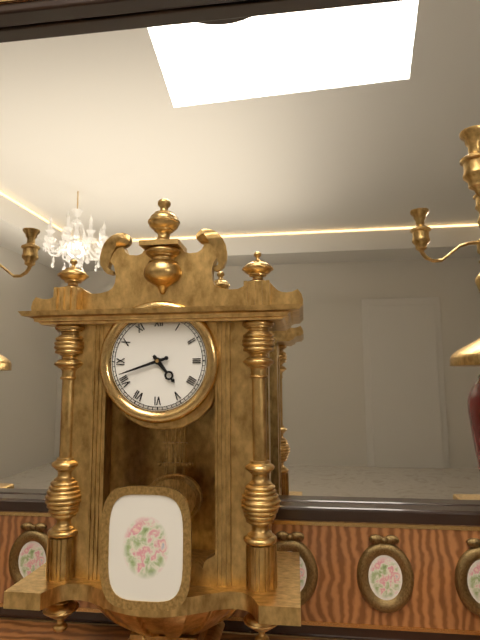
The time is **4:42**
